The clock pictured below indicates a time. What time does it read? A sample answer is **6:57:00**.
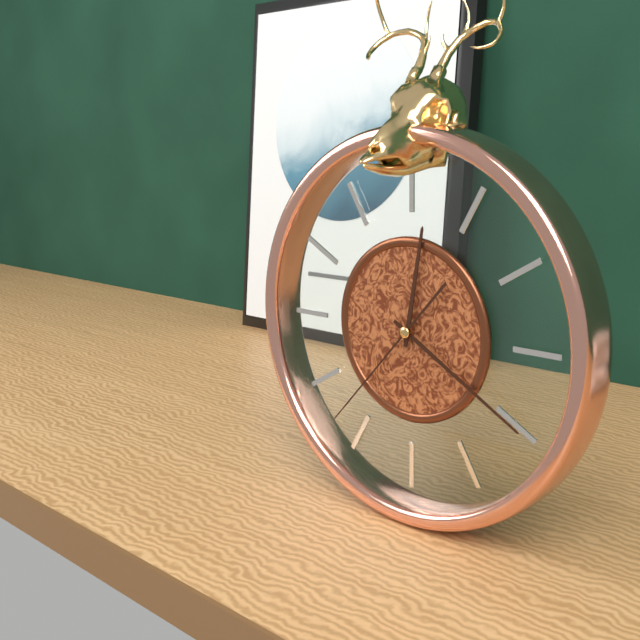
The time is **12:20:37**
